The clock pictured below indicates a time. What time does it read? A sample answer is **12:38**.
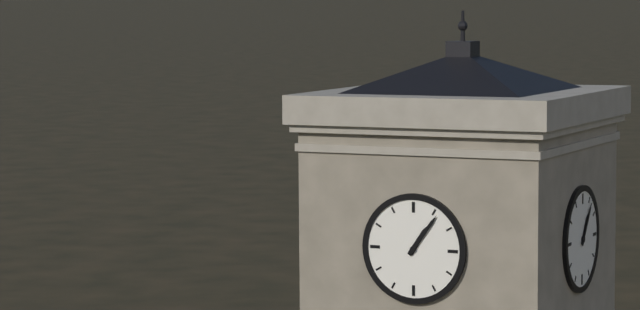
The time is **1:06**
